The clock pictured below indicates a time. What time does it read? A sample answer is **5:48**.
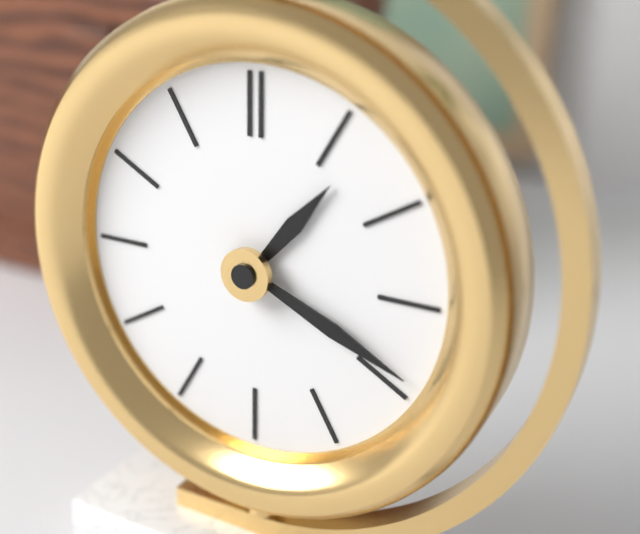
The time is **1:19**
